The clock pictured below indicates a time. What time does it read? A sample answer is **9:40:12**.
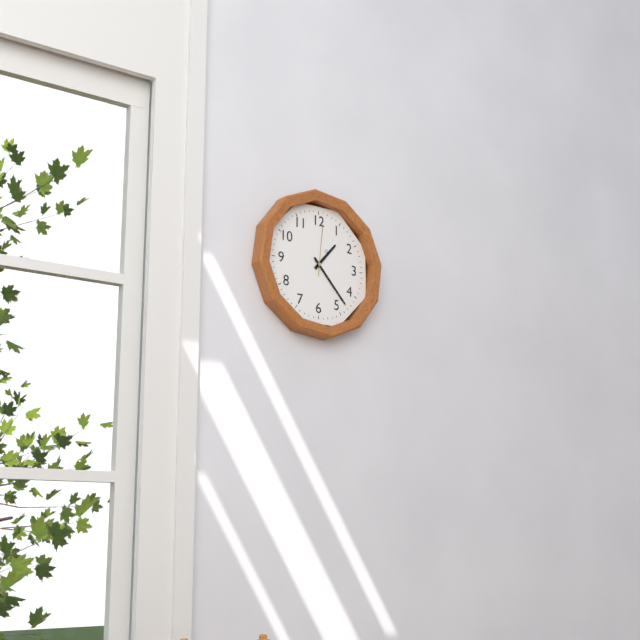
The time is **1:23:01**
